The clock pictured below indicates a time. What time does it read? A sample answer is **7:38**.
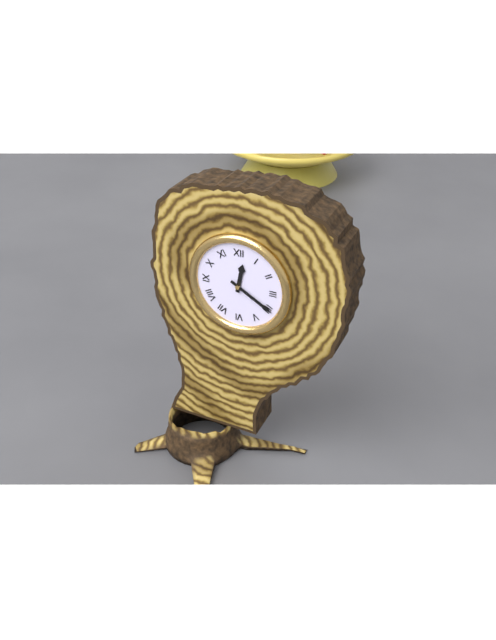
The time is **12:20**
